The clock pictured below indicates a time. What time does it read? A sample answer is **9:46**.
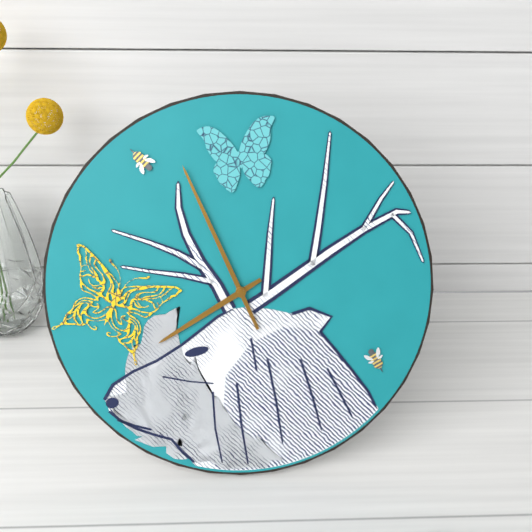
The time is **7:56**
